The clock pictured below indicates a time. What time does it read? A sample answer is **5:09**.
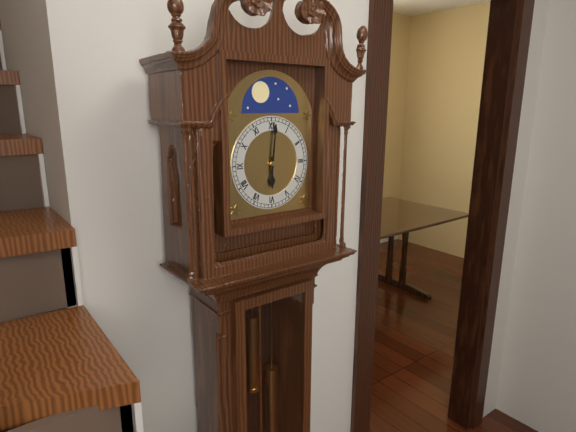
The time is **6:01**
